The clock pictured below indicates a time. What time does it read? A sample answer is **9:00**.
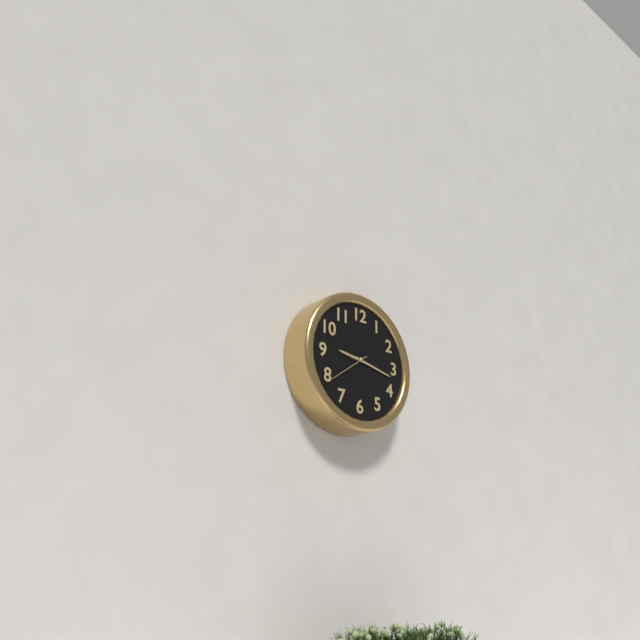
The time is **9:17**
